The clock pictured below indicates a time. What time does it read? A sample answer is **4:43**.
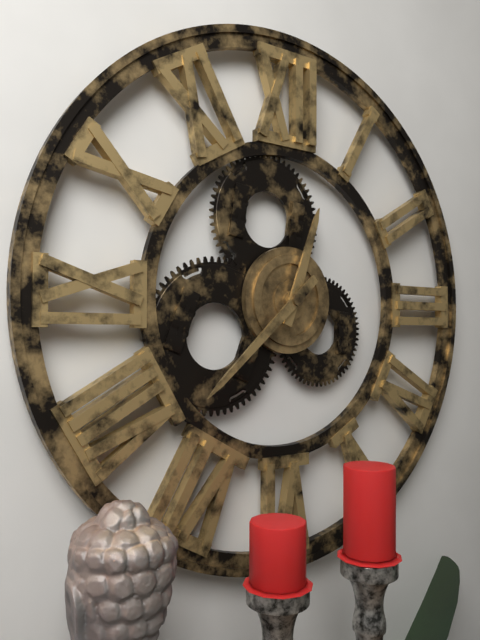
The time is **12:38**
